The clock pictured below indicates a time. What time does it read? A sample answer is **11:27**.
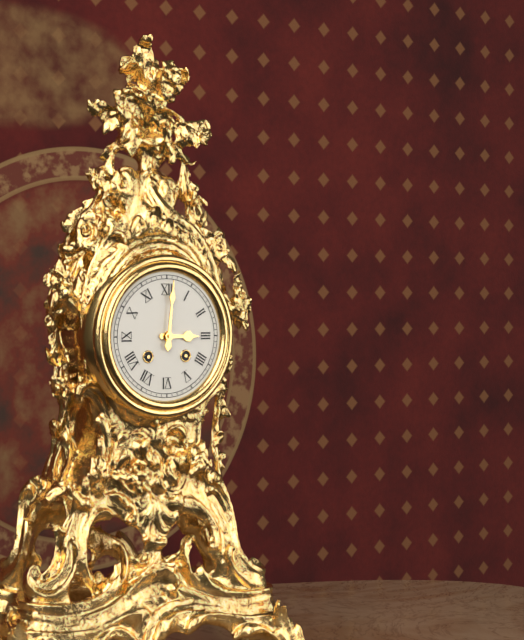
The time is **3:01**
